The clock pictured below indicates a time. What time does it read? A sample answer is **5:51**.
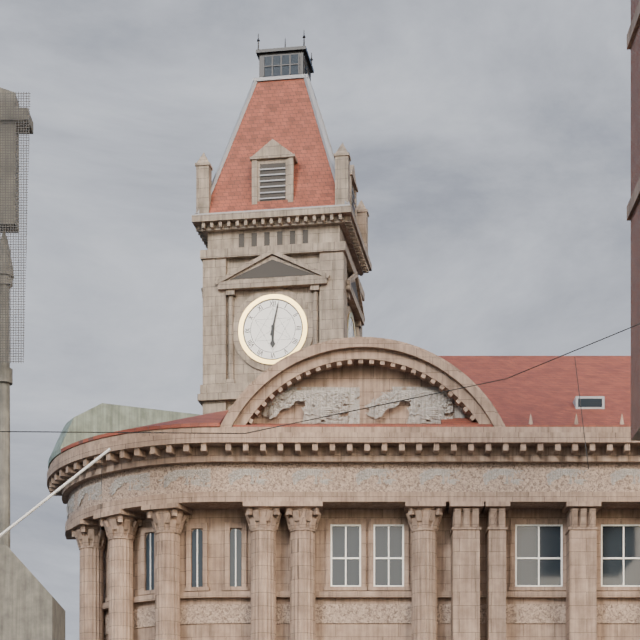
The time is **6:02**
